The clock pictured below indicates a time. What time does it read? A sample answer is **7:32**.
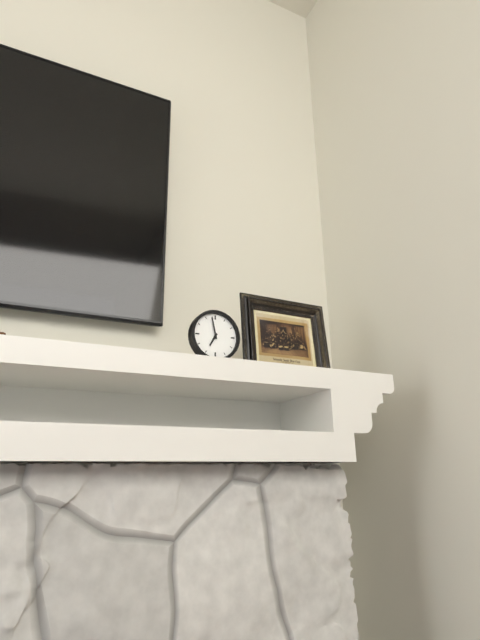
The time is **6:58**
